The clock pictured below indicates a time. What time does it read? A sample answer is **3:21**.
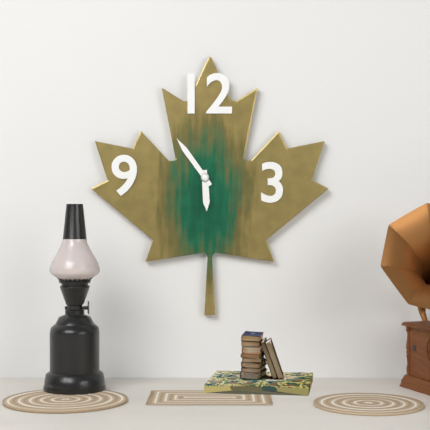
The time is **5:54**
